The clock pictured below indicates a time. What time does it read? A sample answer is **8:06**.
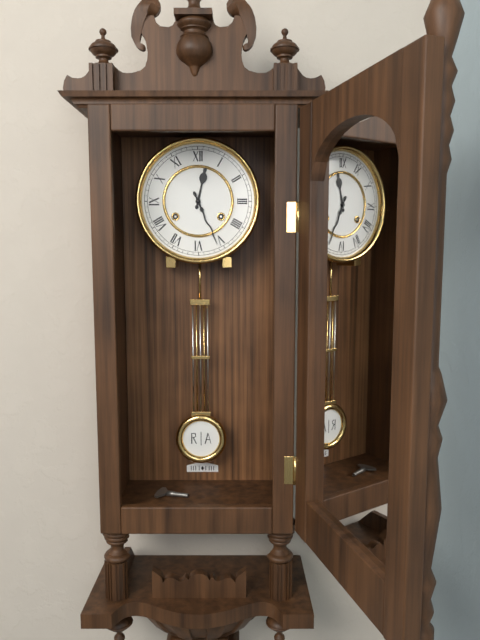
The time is **12:26**
